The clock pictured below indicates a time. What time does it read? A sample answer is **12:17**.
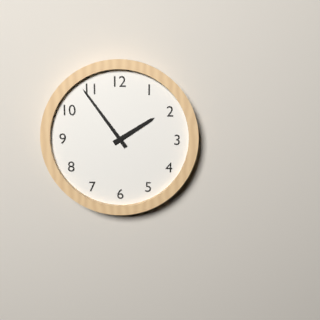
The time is **1:54**
